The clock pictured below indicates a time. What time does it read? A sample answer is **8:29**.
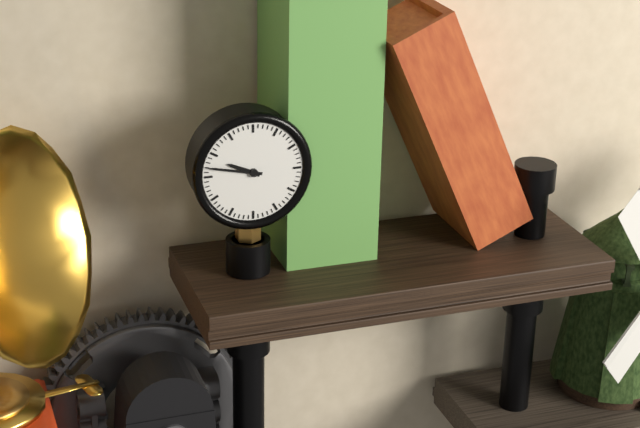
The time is **9:47**
